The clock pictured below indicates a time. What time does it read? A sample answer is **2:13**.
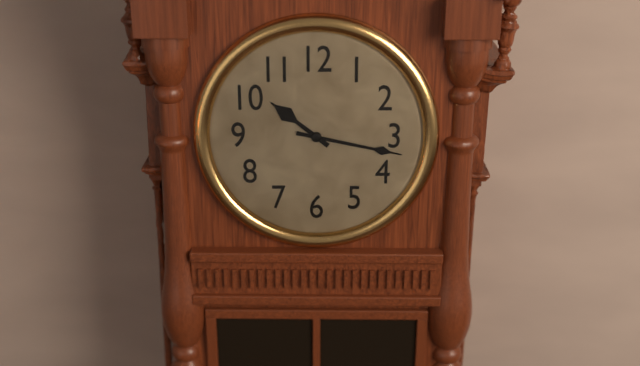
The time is **10:17**
